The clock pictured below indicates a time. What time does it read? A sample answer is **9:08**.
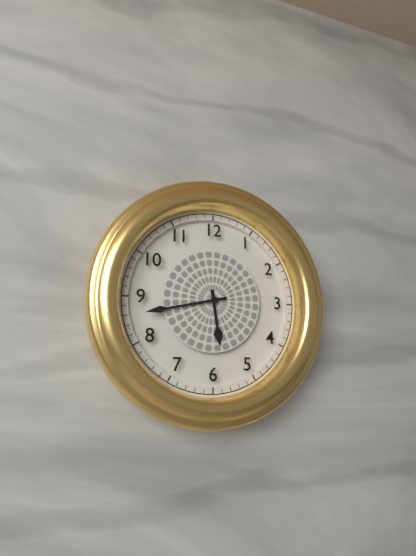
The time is **5:43**
